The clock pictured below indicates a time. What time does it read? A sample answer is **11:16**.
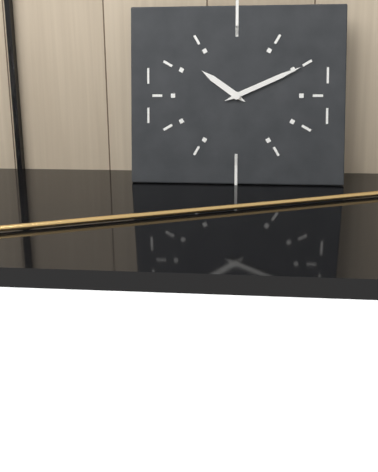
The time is **10:11**
